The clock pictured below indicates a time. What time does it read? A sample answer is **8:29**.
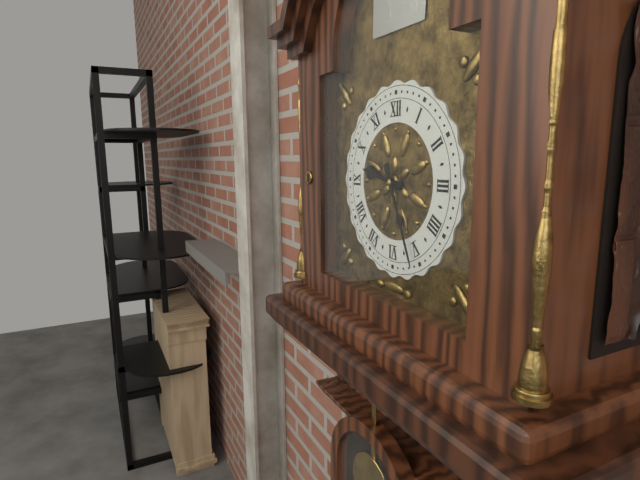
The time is **9:26**
